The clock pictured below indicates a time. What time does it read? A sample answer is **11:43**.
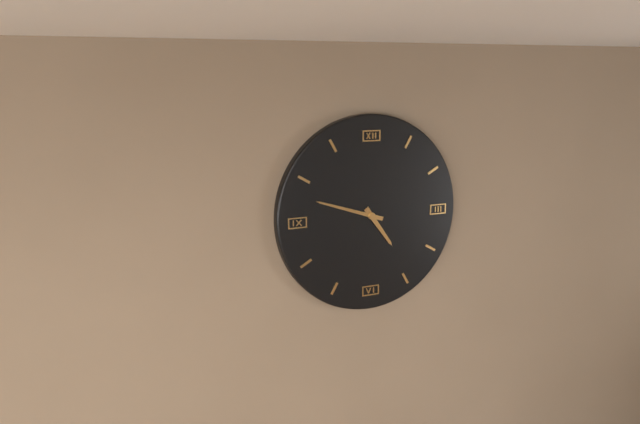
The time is **4:48**
